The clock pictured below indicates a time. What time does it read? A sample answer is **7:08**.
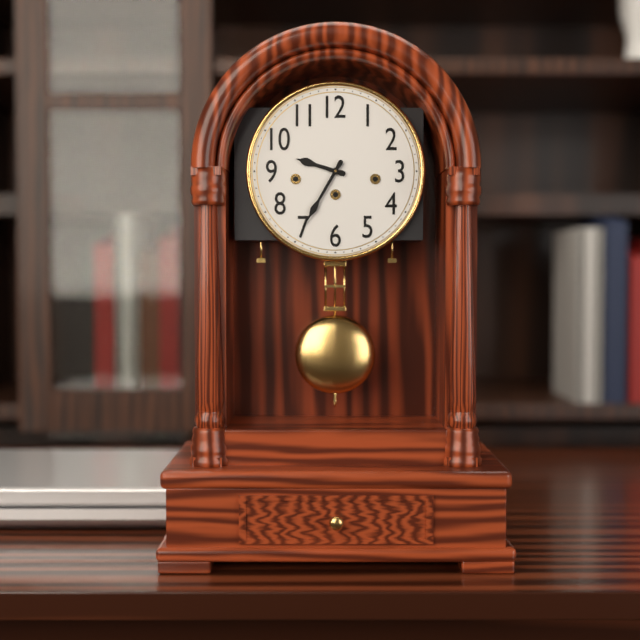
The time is **9:35**
